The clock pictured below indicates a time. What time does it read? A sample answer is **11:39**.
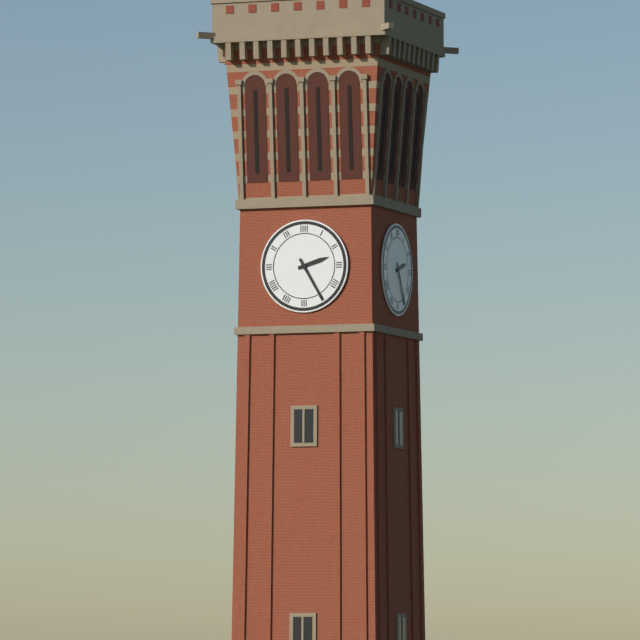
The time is **2:25**
